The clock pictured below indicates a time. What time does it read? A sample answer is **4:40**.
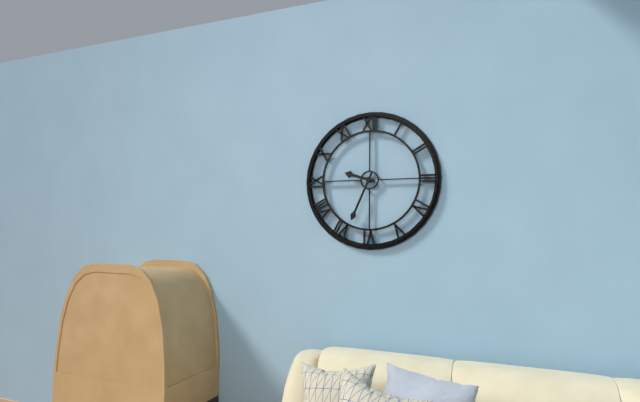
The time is **9:34**
